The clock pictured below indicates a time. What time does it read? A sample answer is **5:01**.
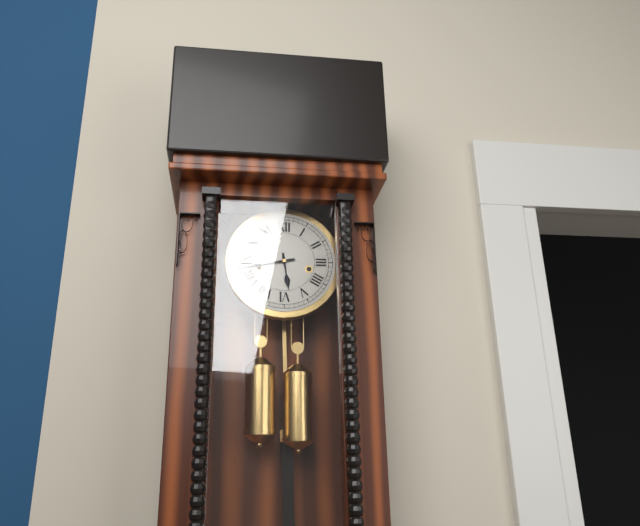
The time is **5:43**
